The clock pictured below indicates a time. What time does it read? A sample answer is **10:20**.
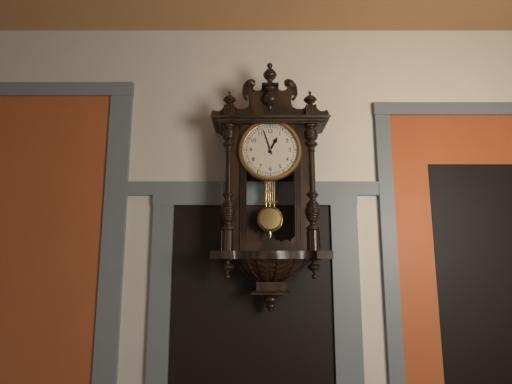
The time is **12:57**
